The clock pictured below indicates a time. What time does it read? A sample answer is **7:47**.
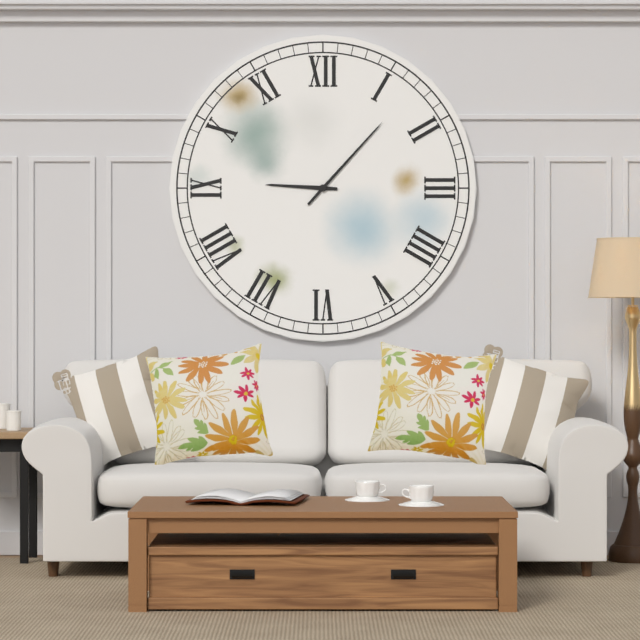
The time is **9:07**
